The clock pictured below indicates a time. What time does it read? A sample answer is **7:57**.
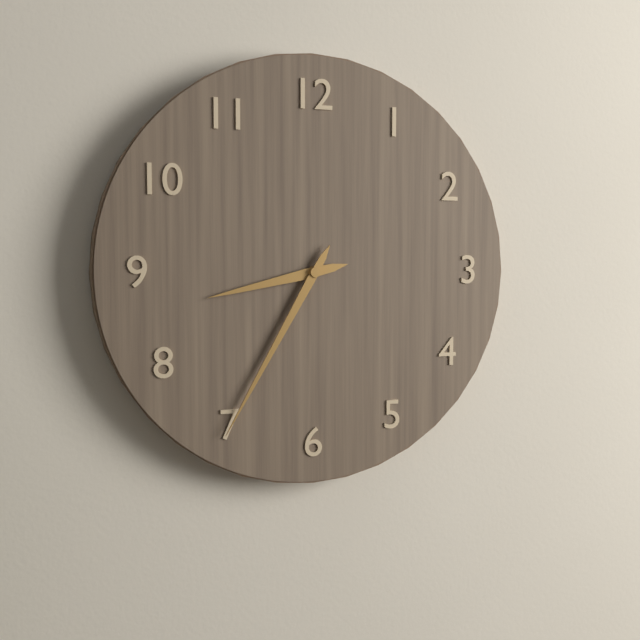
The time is **8:35**
